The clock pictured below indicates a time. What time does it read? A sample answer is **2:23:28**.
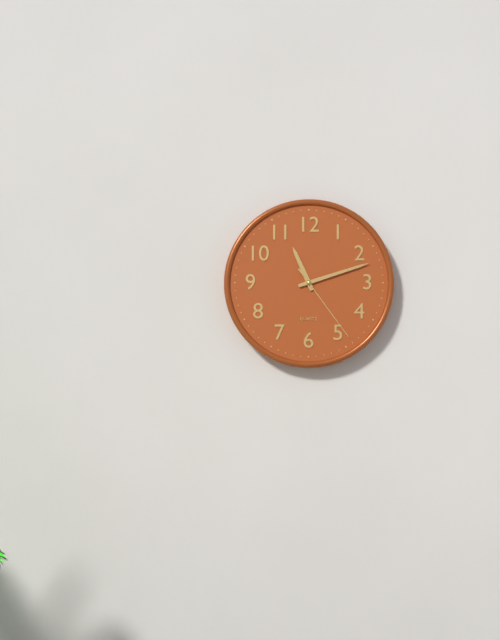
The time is **11:12:24**
